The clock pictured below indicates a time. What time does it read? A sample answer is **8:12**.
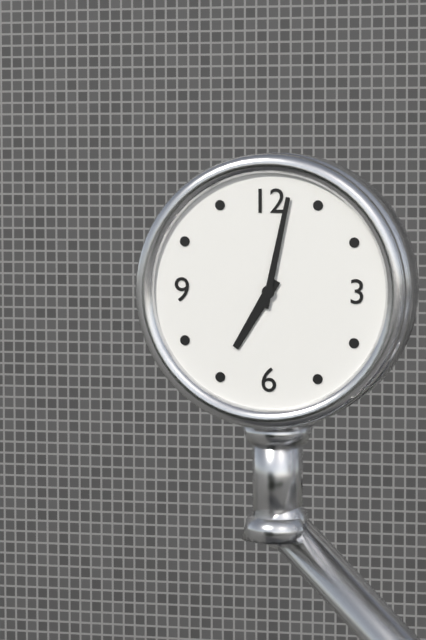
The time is **7:02**
